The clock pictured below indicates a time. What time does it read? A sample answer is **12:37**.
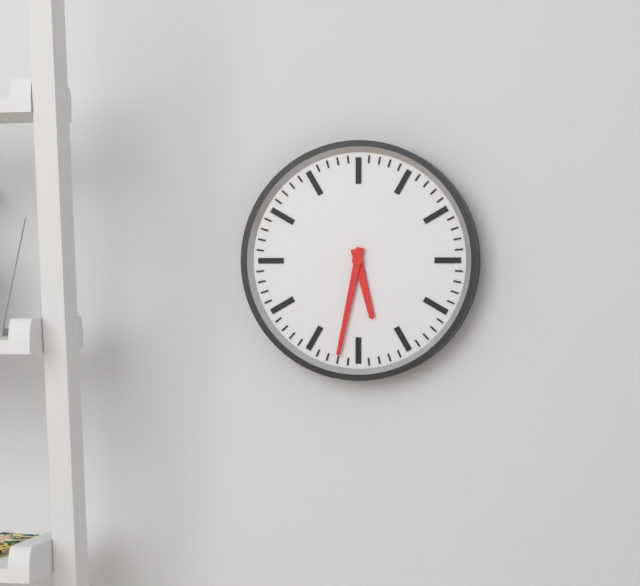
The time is **5:32**
